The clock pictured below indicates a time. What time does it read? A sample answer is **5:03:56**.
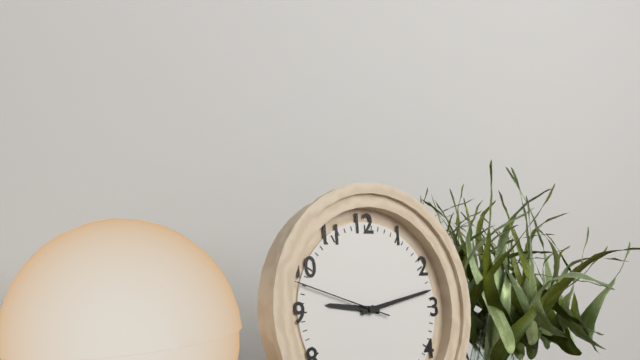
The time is **9:13:48**
